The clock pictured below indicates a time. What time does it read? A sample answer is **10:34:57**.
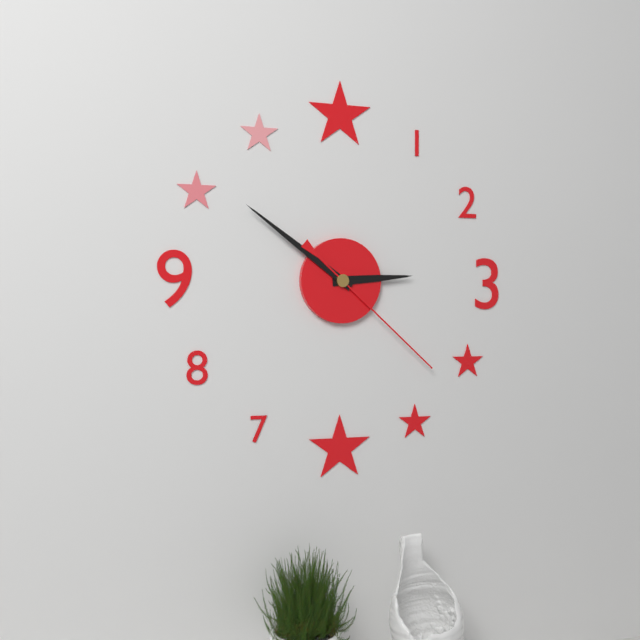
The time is **2:51:22**
